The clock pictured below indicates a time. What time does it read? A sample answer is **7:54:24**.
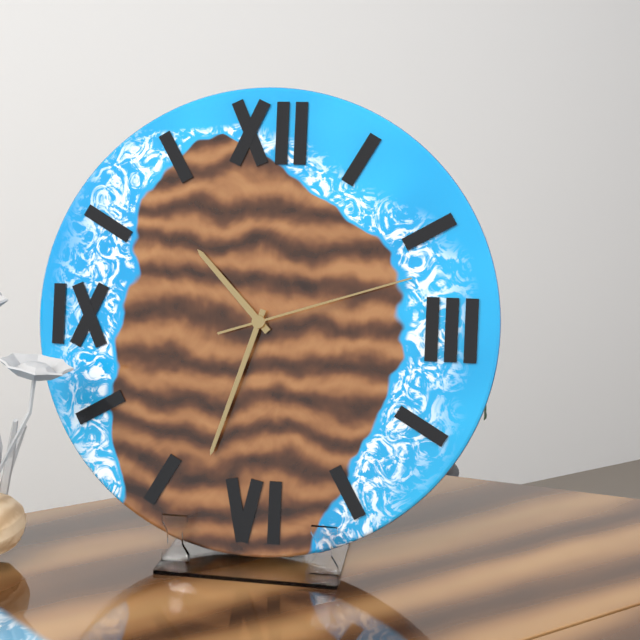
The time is **10:33:12**
